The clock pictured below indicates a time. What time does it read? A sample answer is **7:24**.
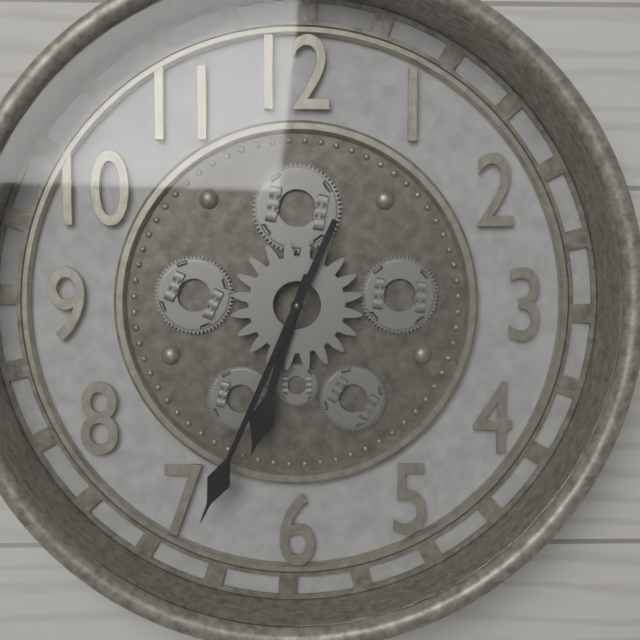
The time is **6:34**
